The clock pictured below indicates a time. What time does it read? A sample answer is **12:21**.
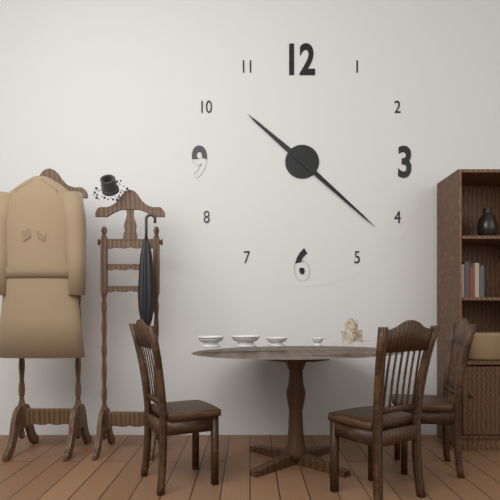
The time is **10:22**
